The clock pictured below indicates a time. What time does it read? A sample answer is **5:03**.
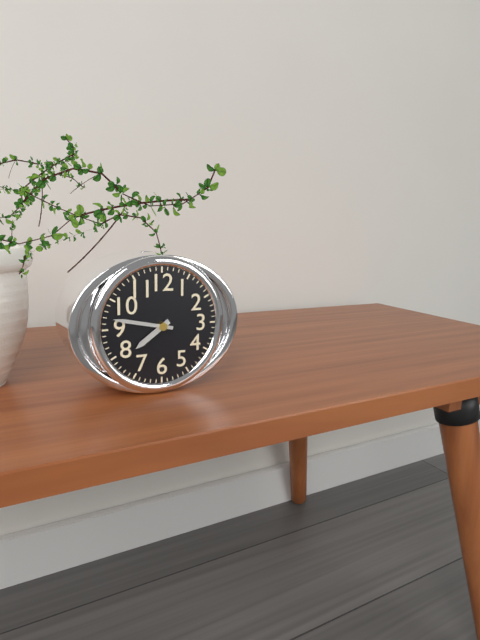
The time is **7:47**
